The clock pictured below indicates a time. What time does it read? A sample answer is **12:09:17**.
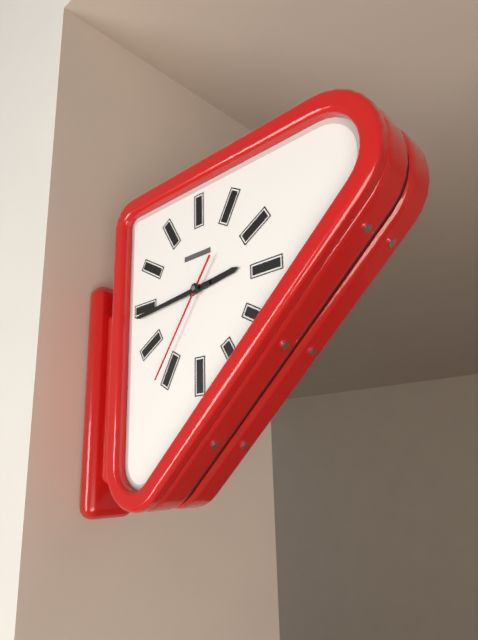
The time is **2:44:36**
